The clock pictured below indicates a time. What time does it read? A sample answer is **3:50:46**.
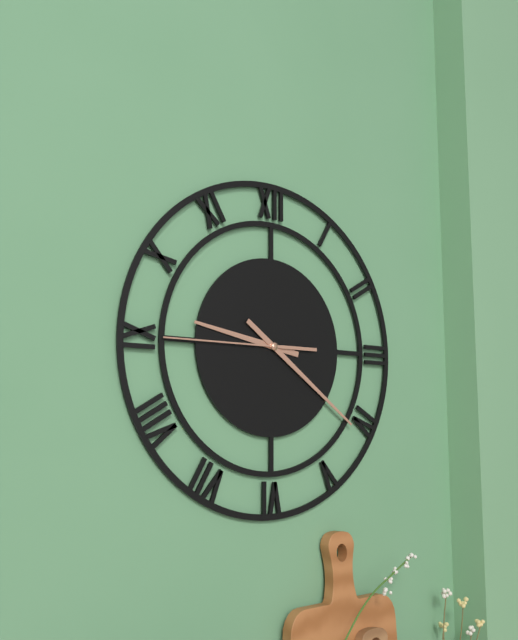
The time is **9:21:45**
